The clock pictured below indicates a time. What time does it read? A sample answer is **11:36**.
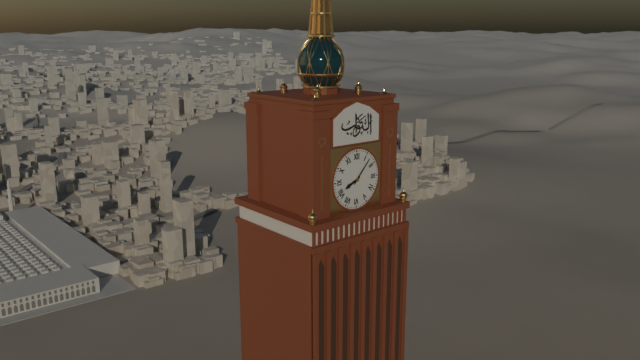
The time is **8:07**
